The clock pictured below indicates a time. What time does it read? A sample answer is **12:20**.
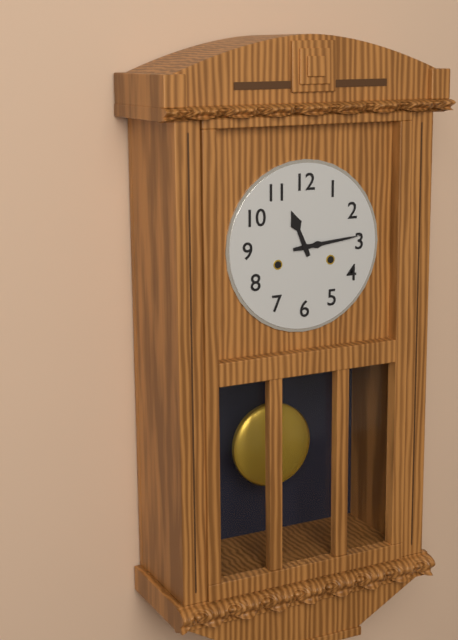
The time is **11:14**
